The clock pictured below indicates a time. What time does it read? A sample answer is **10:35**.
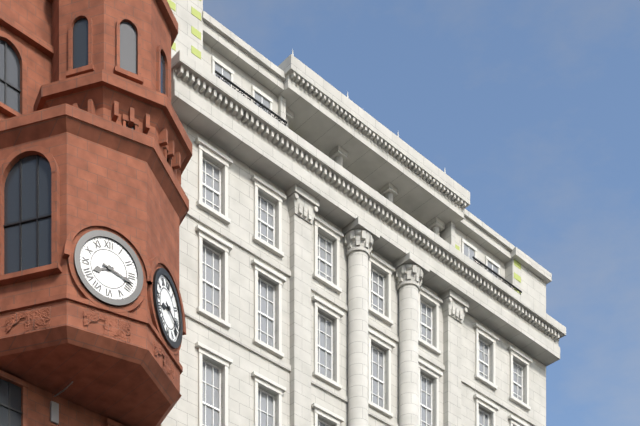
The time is **8:18**
